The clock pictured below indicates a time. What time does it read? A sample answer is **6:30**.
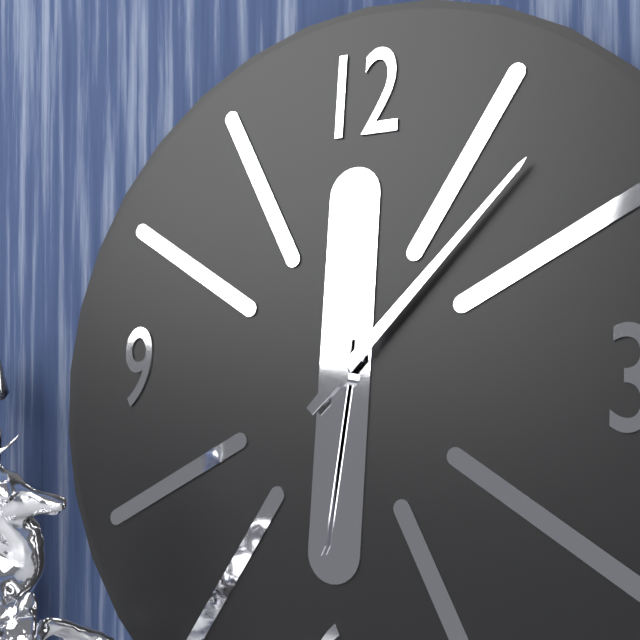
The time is **6:07**
